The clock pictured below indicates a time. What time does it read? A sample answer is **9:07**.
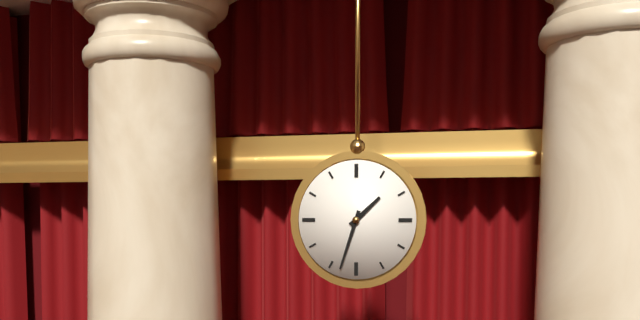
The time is **1:33**
